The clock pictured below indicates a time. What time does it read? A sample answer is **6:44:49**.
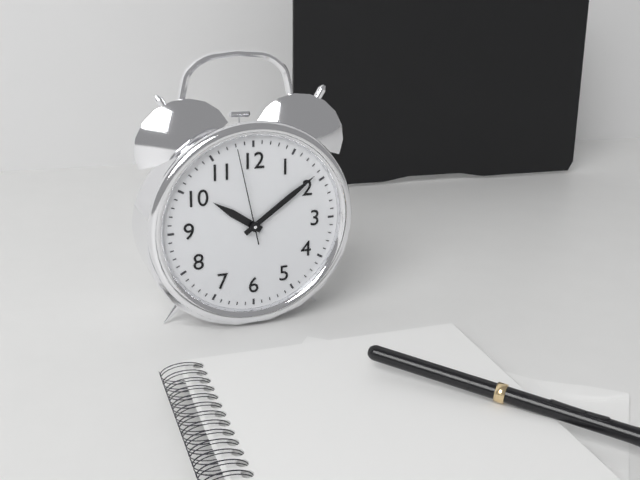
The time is **10:09:58**
